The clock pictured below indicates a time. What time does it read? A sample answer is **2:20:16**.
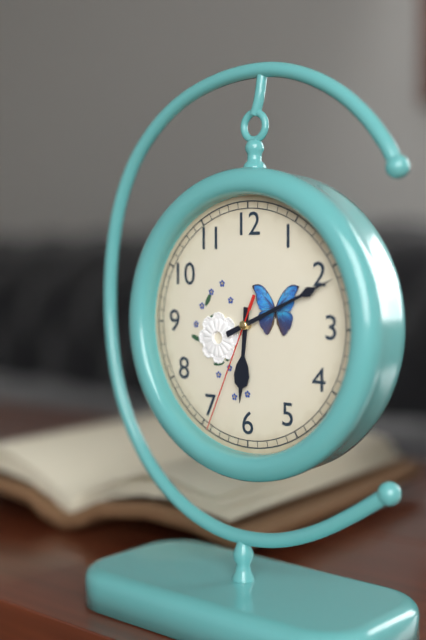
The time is **6:11:34**
